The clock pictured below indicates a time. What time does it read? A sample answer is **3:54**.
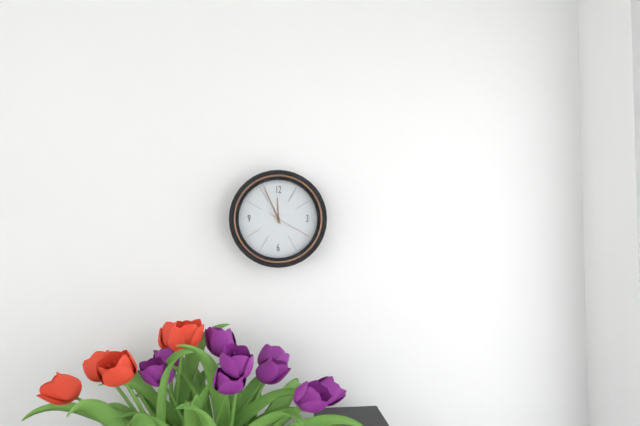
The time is **11:56**
